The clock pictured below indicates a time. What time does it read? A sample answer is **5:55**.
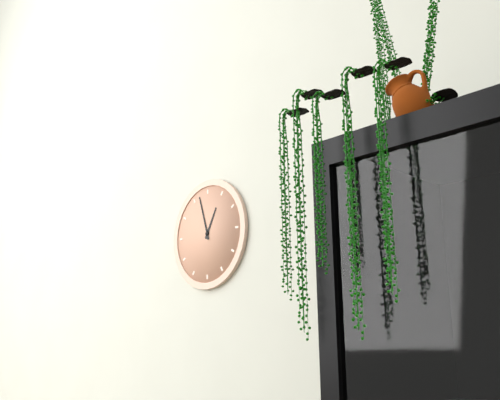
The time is **12:57**
